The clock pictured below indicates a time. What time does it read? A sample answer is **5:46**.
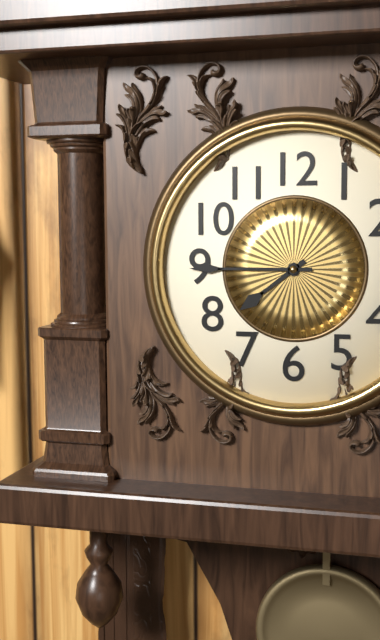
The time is **7:45**
